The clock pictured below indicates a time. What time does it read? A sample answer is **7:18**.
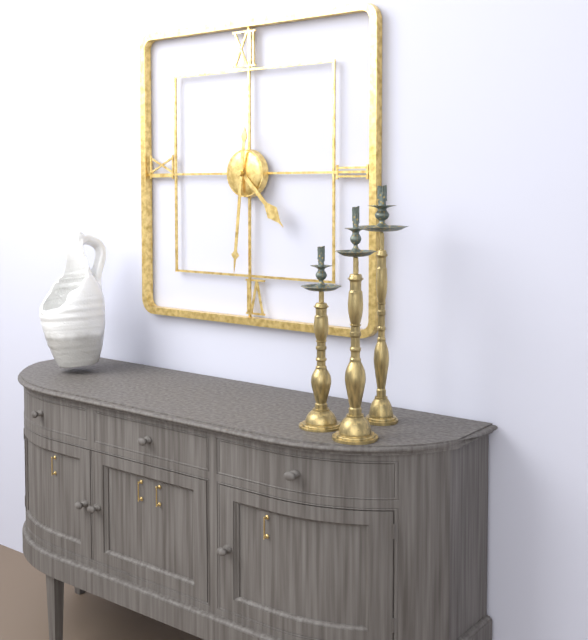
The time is **4:31**
